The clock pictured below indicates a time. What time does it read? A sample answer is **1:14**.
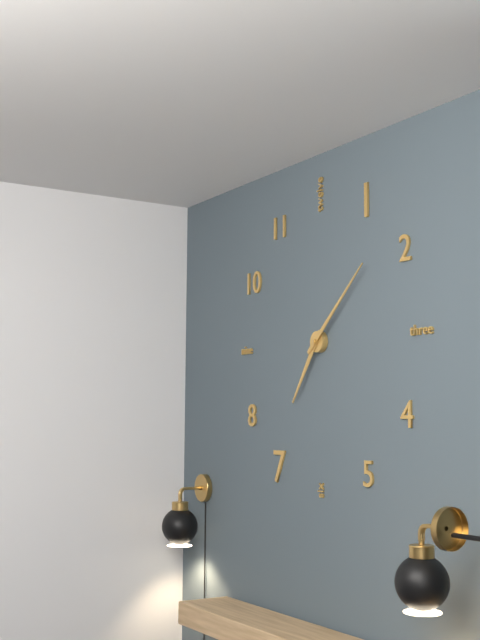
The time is **7:08**
